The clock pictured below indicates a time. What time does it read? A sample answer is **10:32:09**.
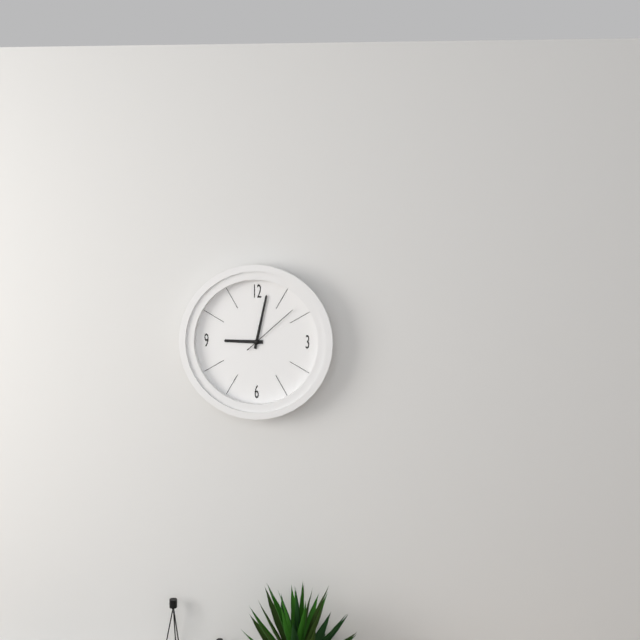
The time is **9:02:08**
